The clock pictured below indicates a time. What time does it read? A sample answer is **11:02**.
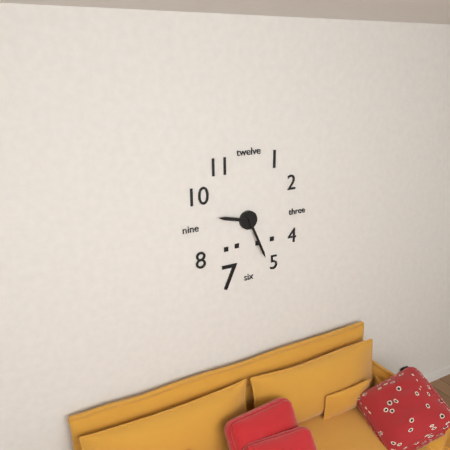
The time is **9:26**
